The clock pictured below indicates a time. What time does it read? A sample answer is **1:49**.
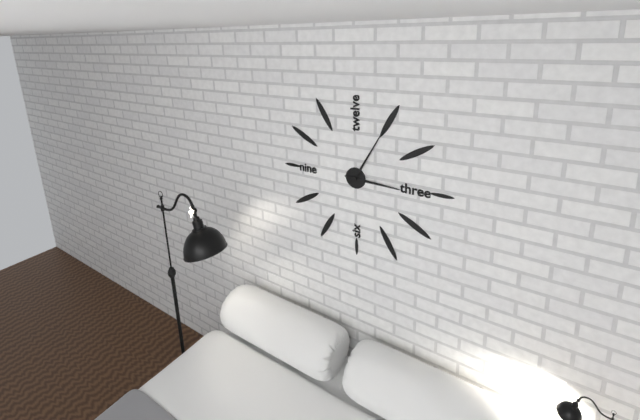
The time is **3:05**
